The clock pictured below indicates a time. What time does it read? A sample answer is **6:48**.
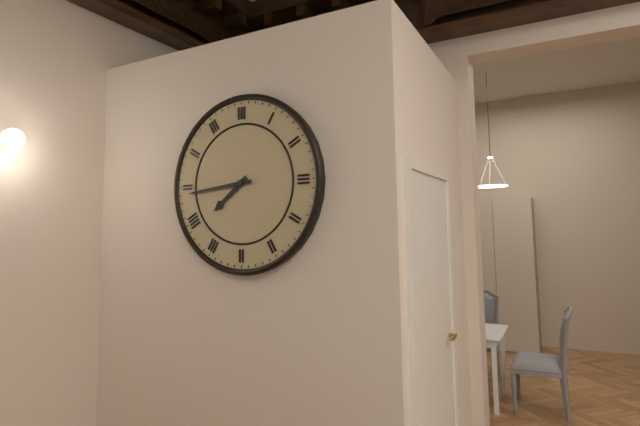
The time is **7:44**
